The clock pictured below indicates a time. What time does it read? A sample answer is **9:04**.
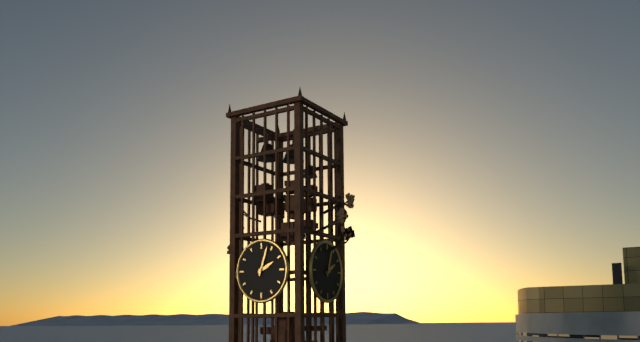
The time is **2:03**
